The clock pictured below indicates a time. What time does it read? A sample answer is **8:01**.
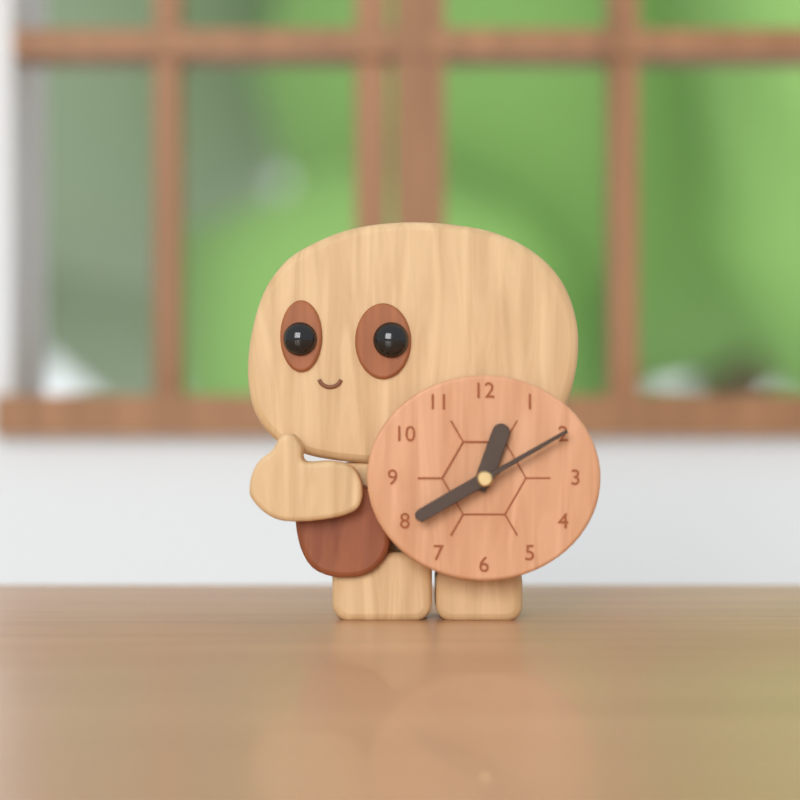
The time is **12:40**
